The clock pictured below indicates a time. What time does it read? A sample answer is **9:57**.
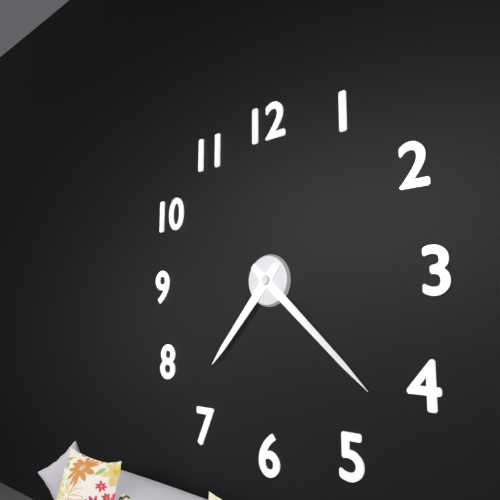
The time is **7:22**
